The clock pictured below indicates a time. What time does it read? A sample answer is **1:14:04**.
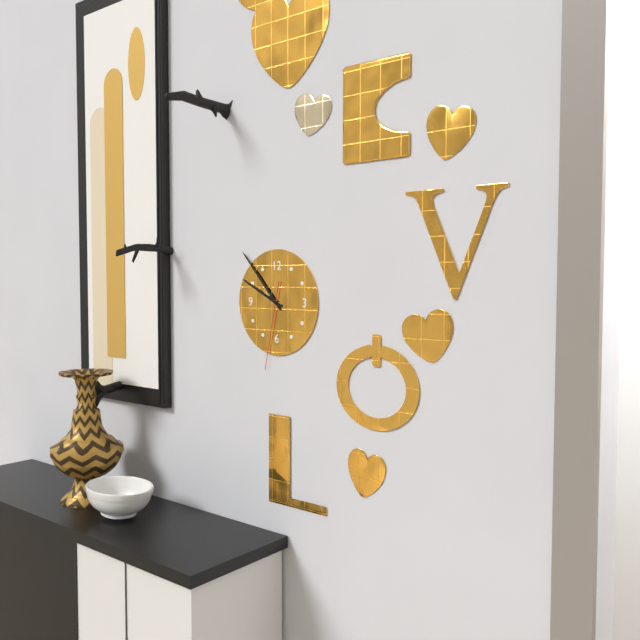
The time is **9:53:32**
